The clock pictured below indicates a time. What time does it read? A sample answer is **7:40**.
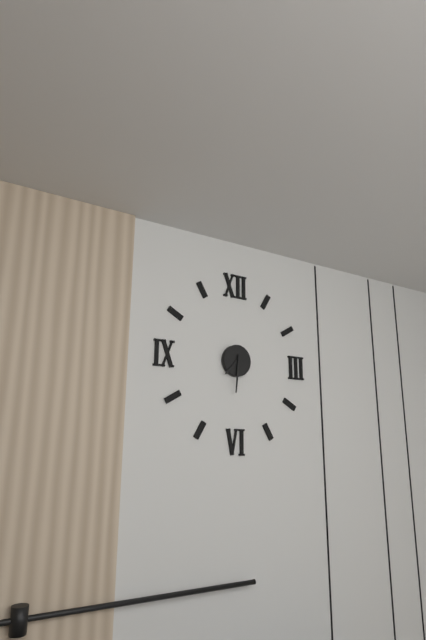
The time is **7:31**
